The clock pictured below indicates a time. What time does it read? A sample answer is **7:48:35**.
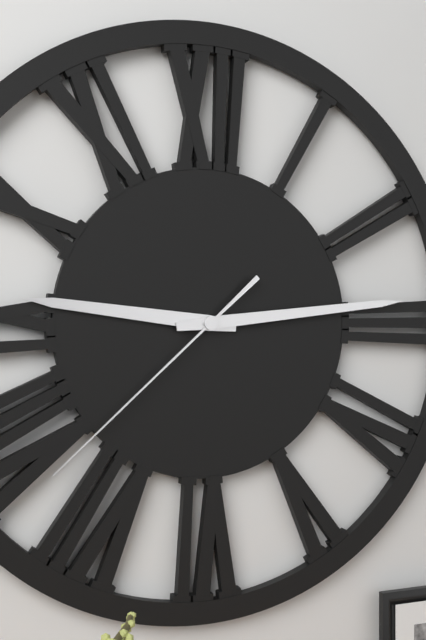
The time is **9:14:38**
